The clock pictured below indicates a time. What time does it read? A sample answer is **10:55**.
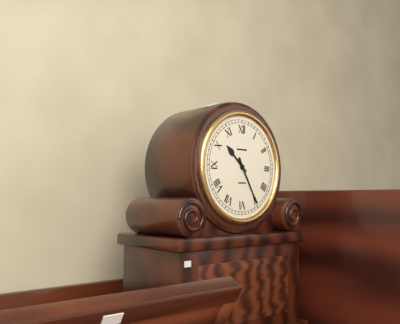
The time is **10:25**
